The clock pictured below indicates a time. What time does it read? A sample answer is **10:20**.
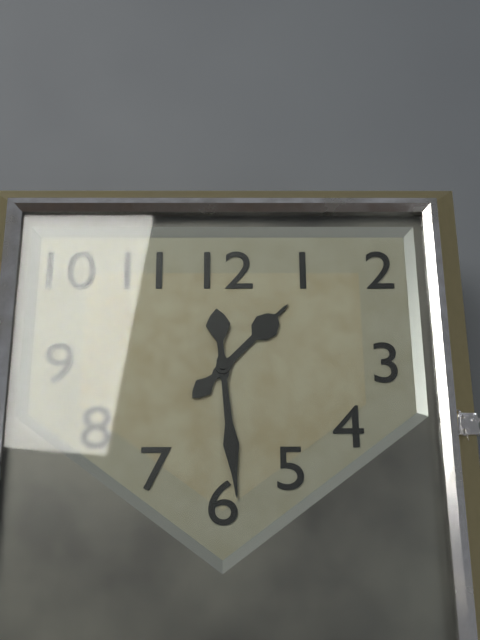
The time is **1:29**
